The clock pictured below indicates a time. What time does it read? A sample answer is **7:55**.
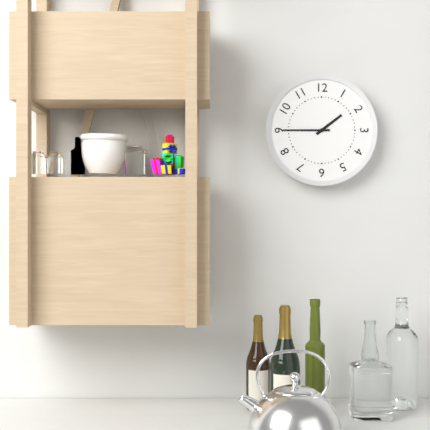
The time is **1:45**
